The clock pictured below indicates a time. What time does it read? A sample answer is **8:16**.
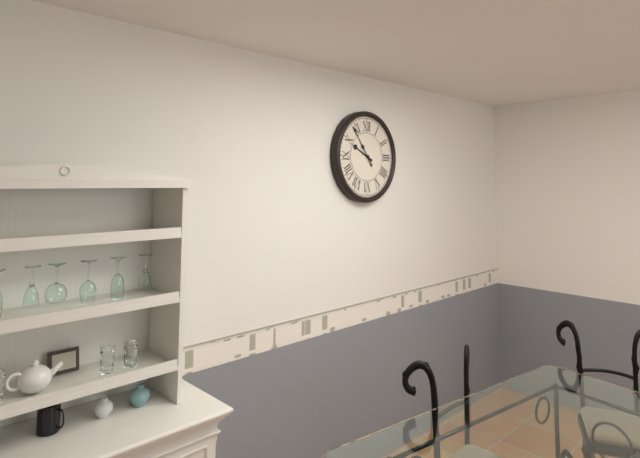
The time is **9:54**
